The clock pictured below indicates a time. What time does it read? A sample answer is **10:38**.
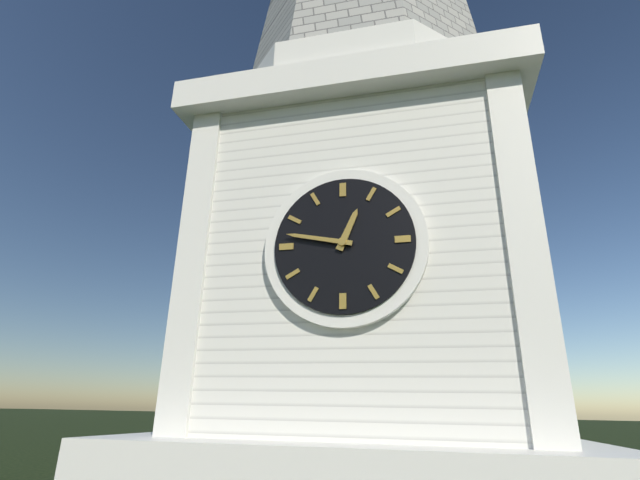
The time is **12:47**
